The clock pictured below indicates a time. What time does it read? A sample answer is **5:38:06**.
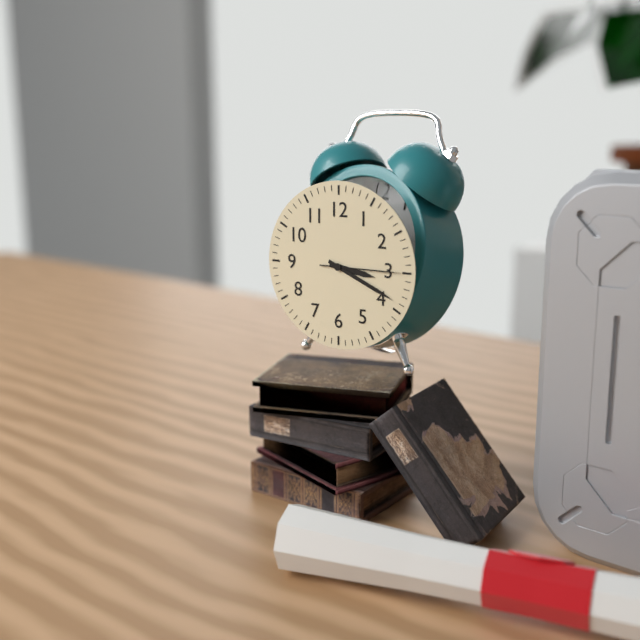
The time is **3:19:15**
